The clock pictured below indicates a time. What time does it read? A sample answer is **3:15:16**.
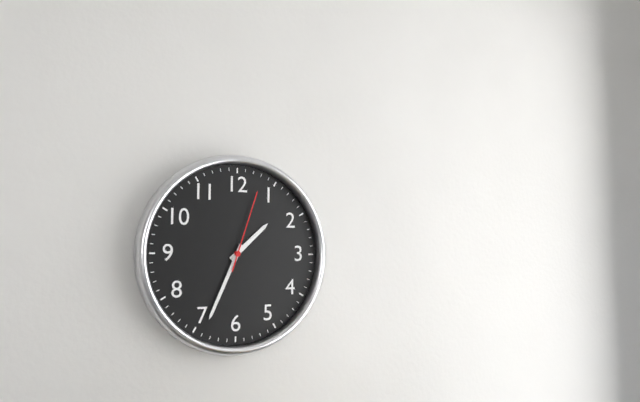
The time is **1:34:03**
